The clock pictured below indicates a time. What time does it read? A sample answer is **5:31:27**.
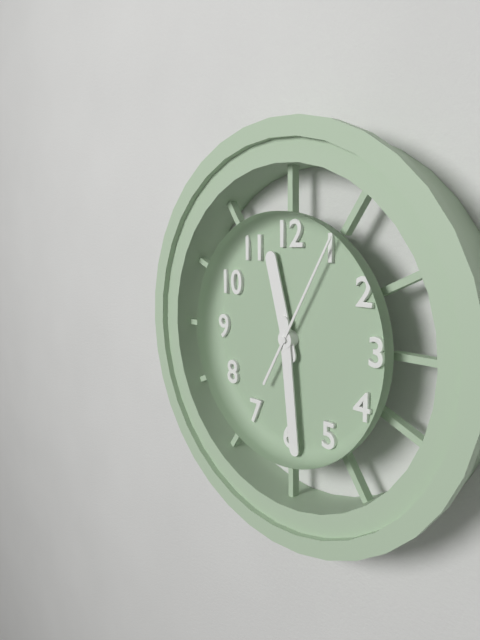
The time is **11:29:05**
